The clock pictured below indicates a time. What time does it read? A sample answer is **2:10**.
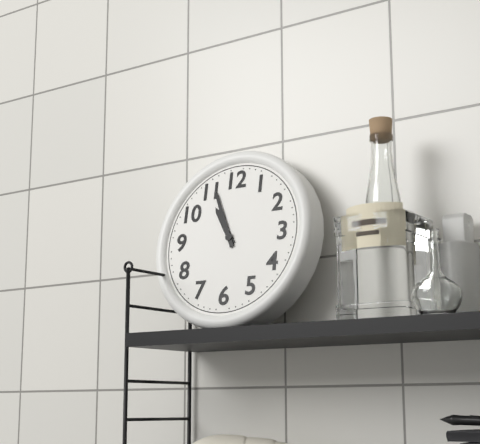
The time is **10:56**
